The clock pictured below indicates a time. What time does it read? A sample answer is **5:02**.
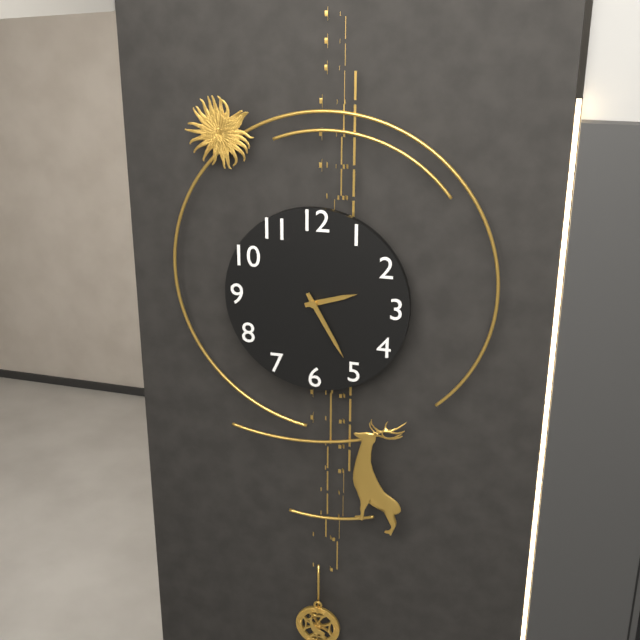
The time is **2:25**
